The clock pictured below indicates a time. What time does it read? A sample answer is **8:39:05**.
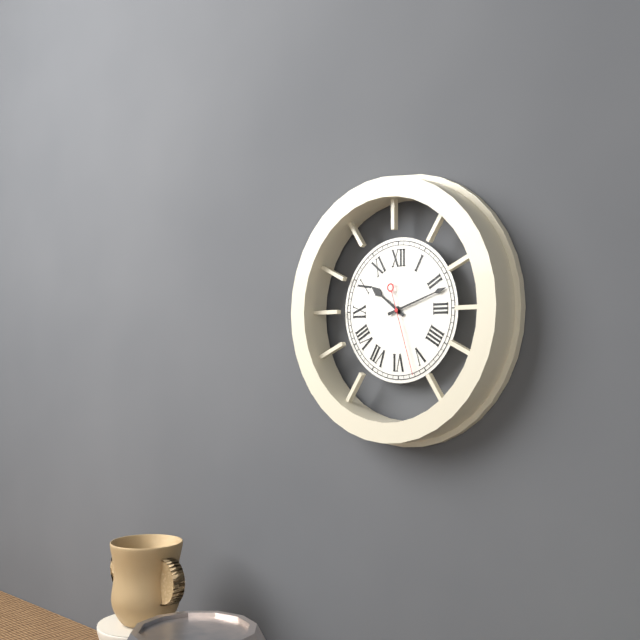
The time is **10:12:27**
